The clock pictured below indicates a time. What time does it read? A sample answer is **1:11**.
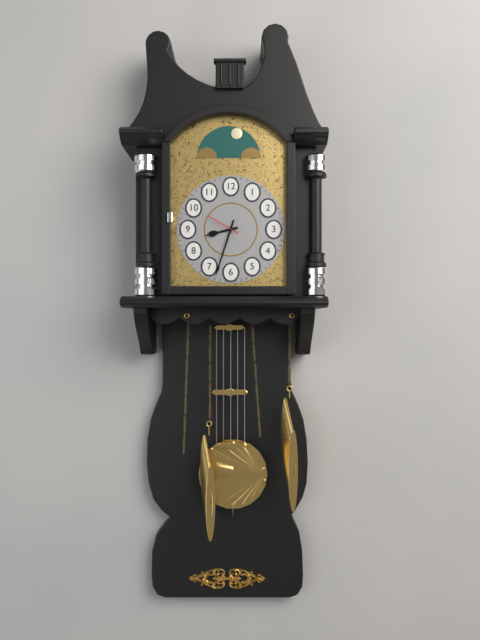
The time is **8:33**
